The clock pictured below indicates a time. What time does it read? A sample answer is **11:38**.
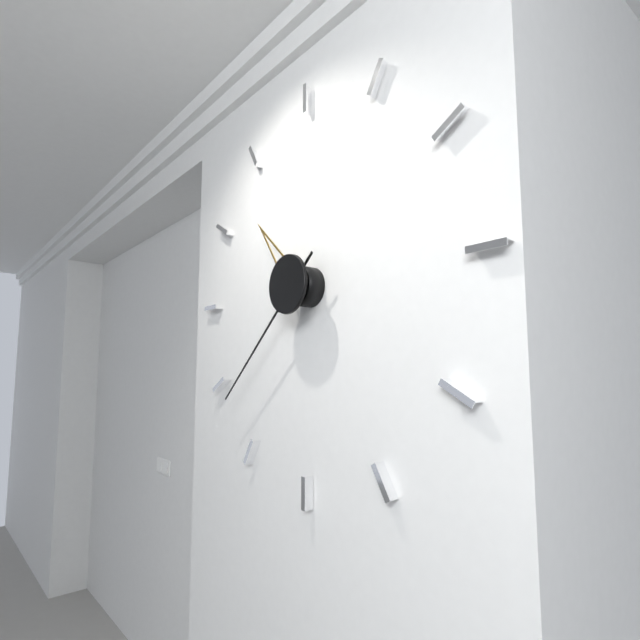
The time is **10:38**
